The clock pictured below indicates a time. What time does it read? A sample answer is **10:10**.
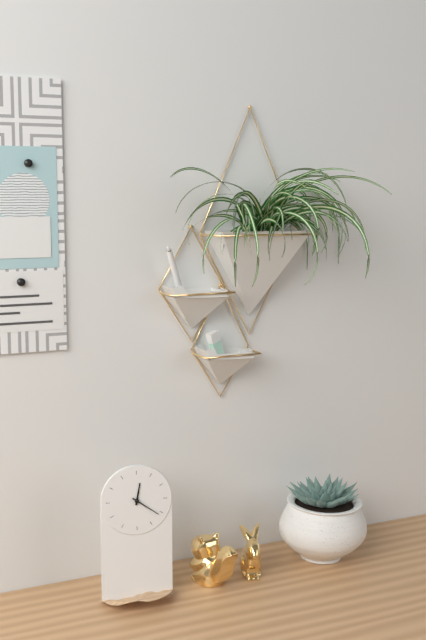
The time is **12:21**
